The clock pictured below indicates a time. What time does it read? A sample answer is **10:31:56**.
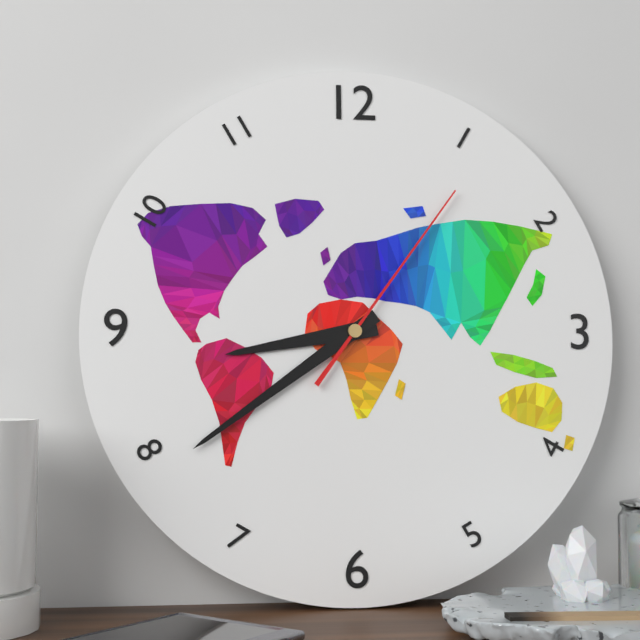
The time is **8:39:06**
